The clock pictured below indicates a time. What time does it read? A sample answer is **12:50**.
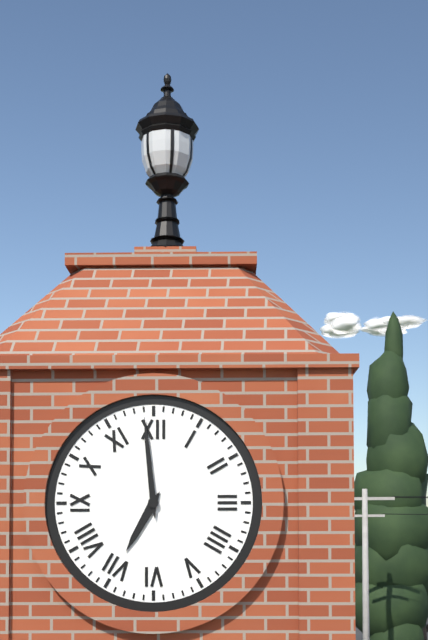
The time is **6:59**
